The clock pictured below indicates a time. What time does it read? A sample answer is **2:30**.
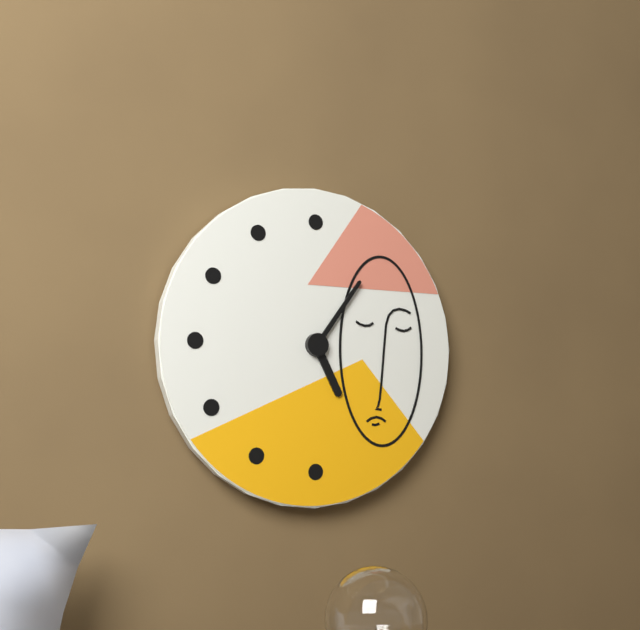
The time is **5:06**
